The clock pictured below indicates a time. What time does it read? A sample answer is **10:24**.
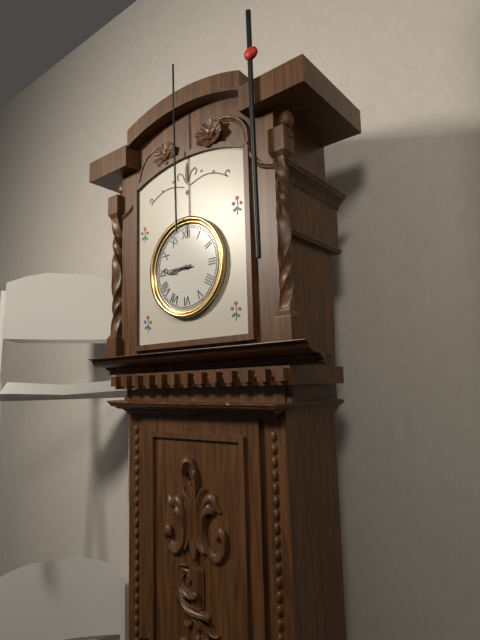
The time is **8:45**
